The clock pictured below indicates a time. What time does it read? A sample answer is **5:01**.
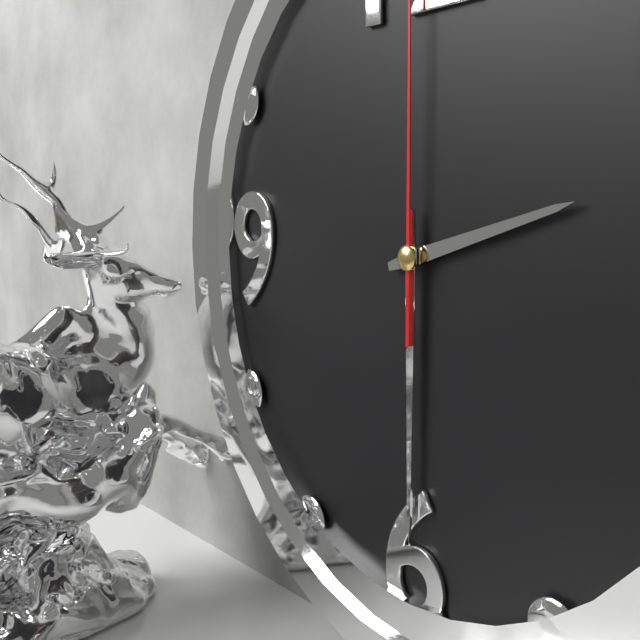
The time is **2:30**
